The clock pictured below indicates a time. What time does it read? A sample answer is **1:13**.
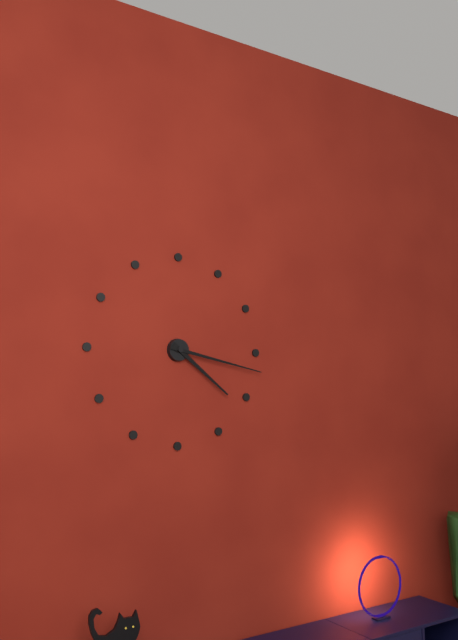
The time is **4:17**
